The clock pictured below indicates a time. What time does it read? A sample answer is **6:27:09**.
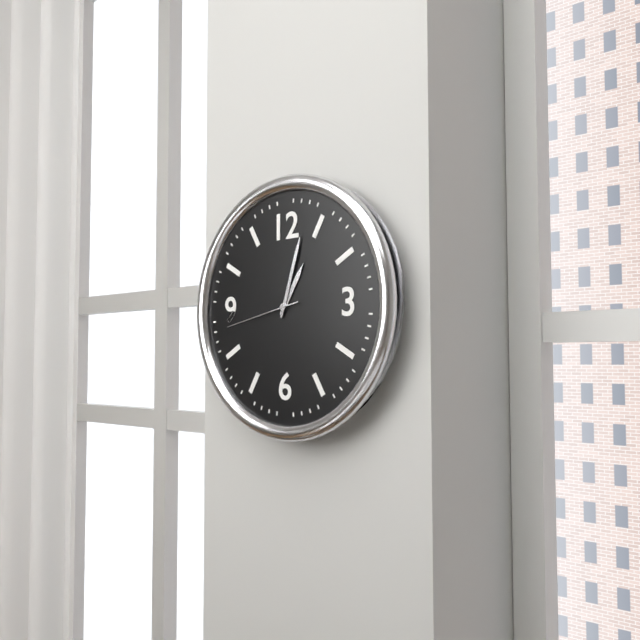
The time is **1:03:43**
